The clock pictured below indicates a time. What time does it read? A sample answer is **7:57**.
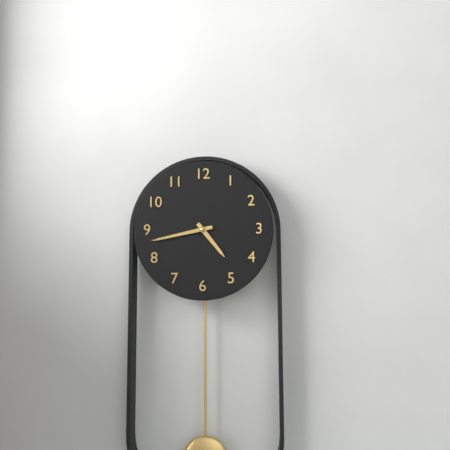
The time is **4:43**
